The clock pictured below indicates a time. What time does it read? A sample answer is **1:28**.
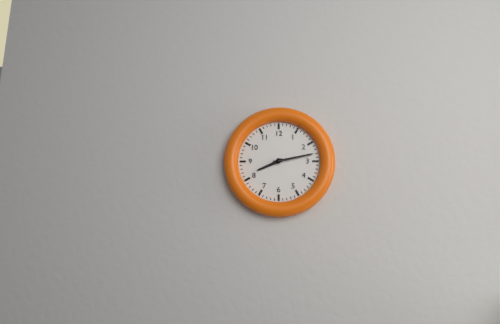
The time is **8:13**
